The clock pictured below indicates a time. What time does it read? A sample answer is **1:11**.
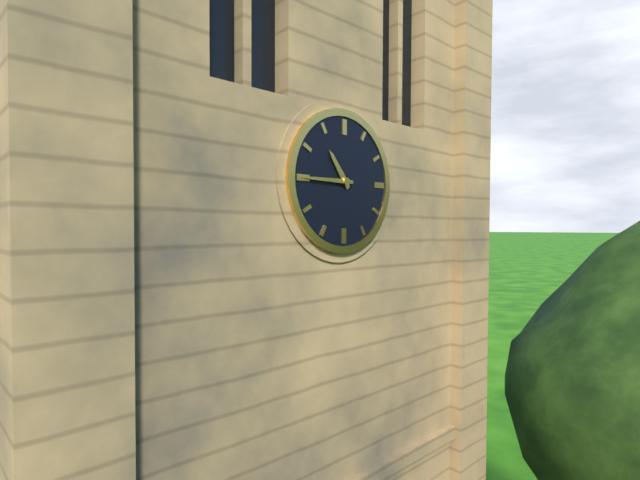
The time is **10:45**
